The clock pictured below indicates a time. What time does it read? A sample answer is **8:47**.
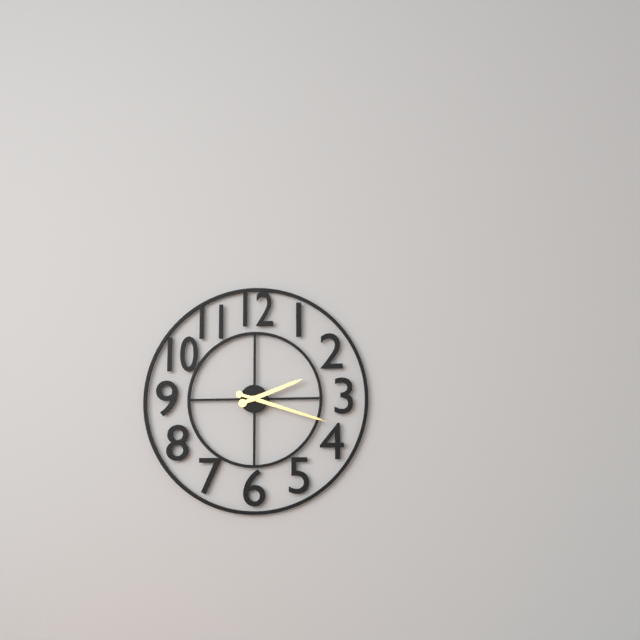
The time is **2:18**
